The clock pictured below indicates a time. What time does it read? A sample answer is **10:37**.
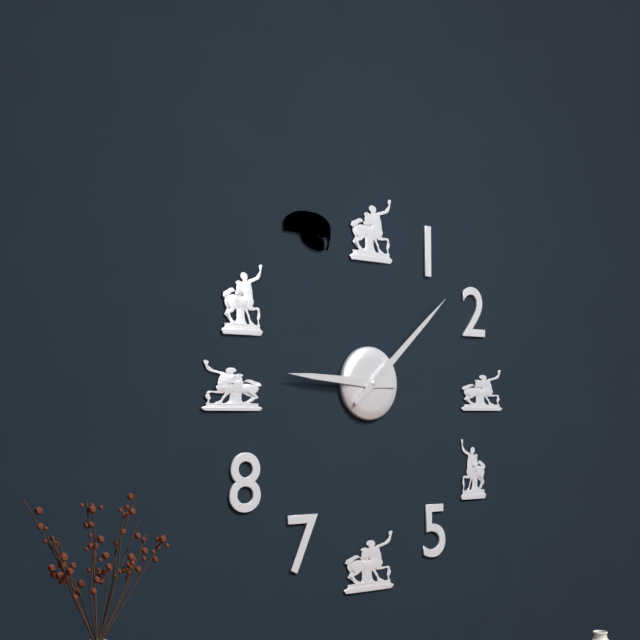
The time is **9:08**
